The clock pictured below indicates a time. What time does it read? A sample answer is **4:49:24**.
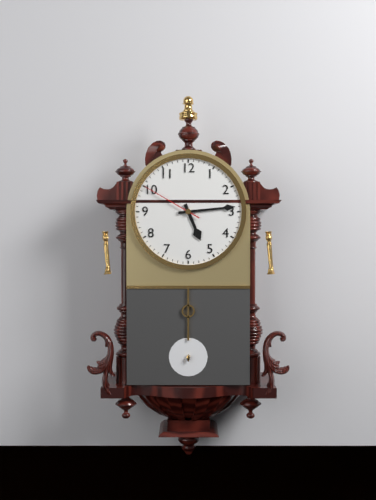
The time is **5:14:50**
